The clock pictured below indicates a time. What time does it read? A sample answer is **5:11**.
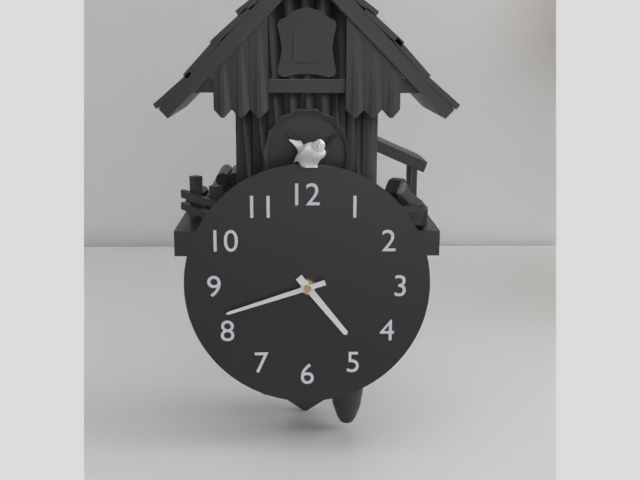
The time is **4:42**
